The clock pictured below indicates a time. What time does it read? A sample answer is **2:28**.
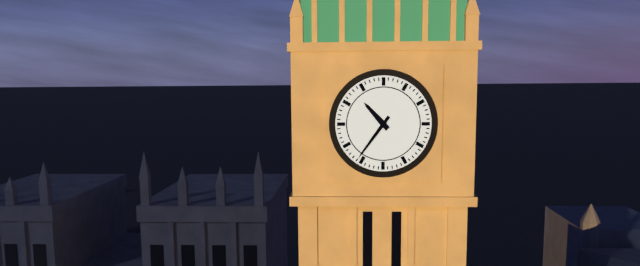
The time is **10:36**
